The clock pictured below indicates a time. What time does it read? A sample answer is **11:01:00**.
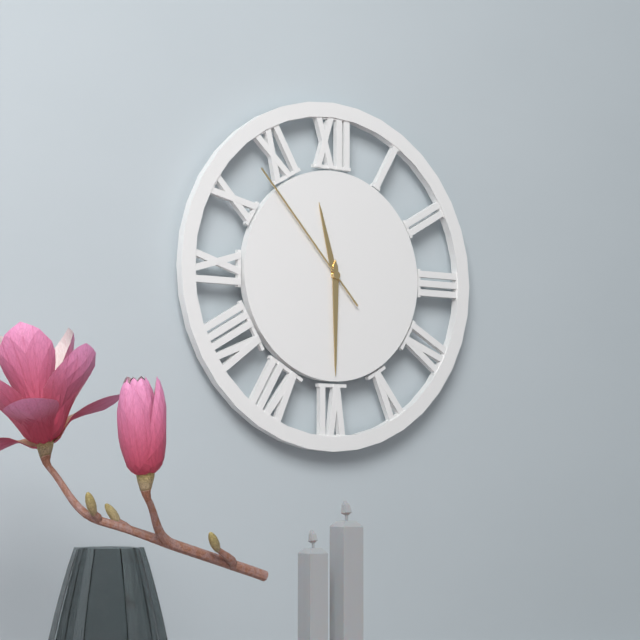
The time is **11:30:53**
